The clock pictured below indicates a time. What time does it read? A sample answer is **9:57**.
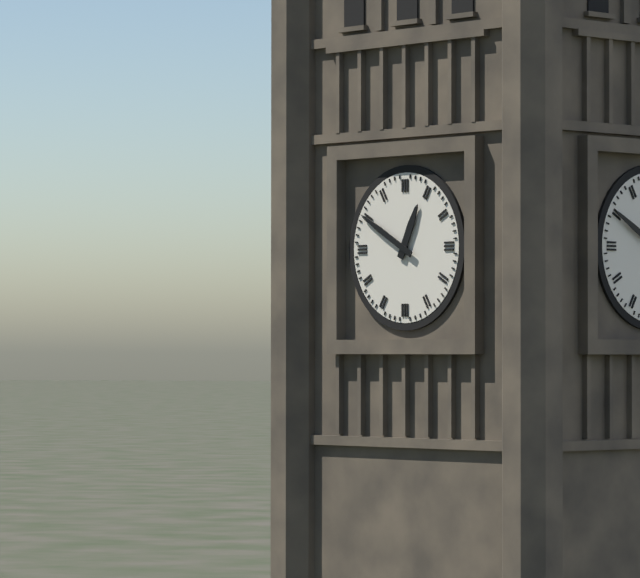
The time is **12:50**
